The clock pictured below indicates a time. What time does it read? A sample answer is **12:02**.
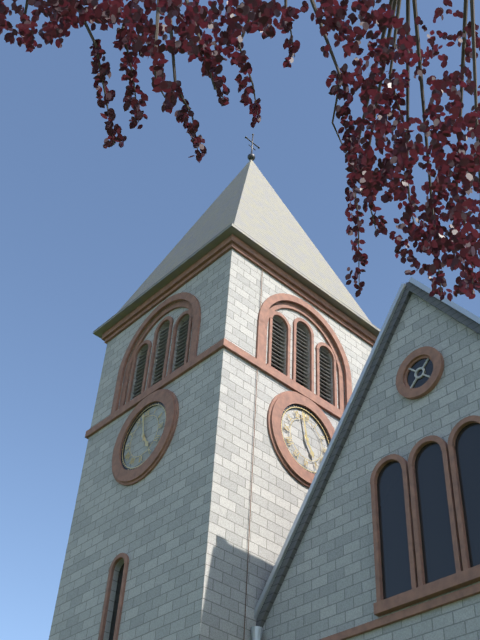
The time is **4:58**
